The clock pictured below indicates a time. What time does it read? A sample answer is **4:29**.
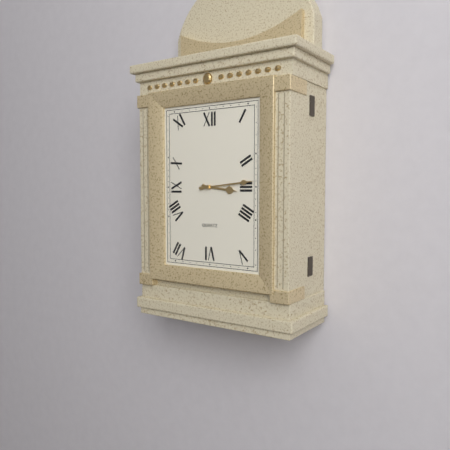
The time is **3:14**
